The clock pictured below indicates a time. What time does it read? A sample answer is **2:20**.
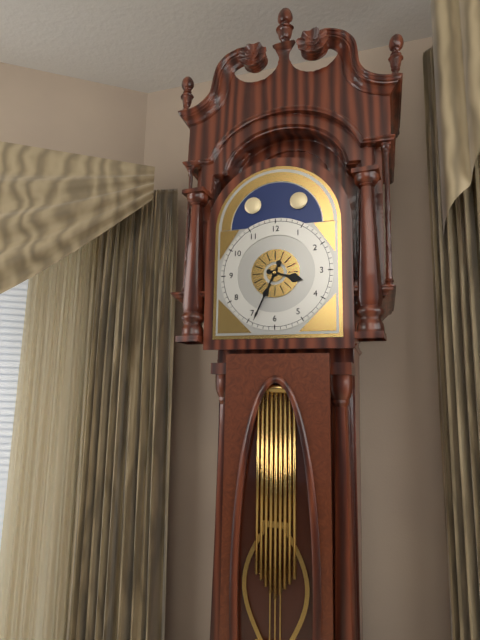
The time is **3:34**
